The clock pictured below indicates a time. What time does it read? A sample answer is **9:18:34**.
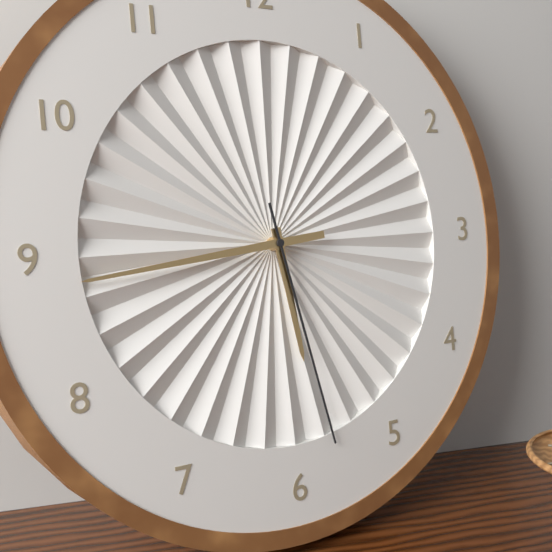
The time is **5:44:28**
